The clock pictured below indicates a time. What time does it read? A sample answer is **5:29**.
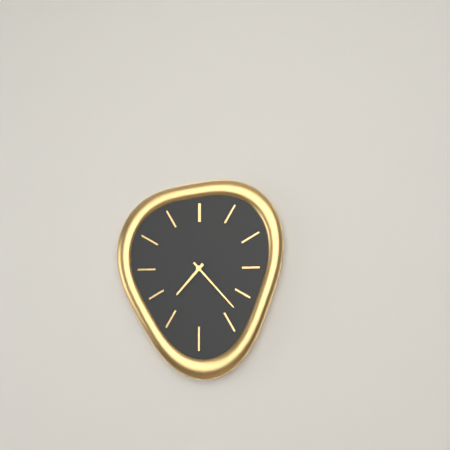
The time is **7:23**
